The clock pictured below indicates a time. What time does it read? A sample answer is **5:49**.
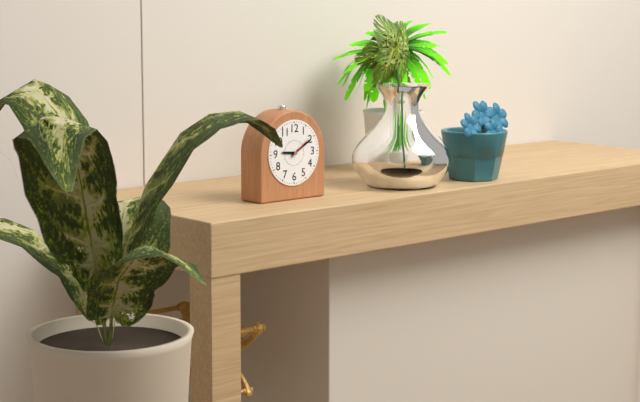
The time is **9:10**
